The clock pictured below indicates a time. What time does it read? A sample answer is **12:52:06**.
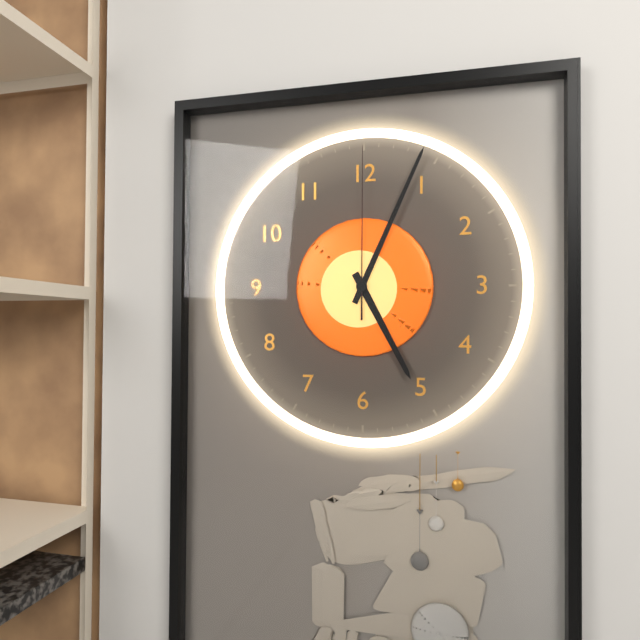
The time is **5:04:00**
